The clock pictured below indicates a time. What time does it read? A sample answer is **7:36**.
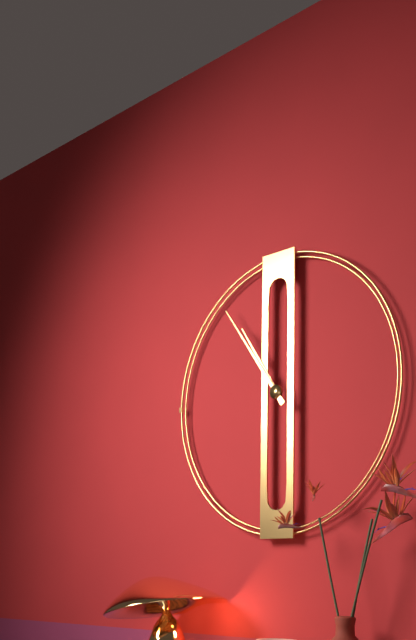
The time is **10:54**
